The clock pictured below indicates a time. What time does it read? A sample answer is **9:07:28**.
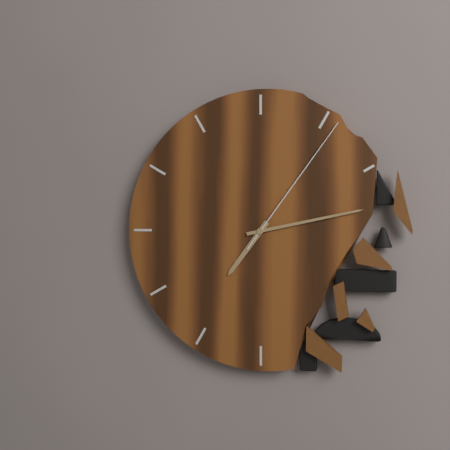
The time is **7:13:06**
